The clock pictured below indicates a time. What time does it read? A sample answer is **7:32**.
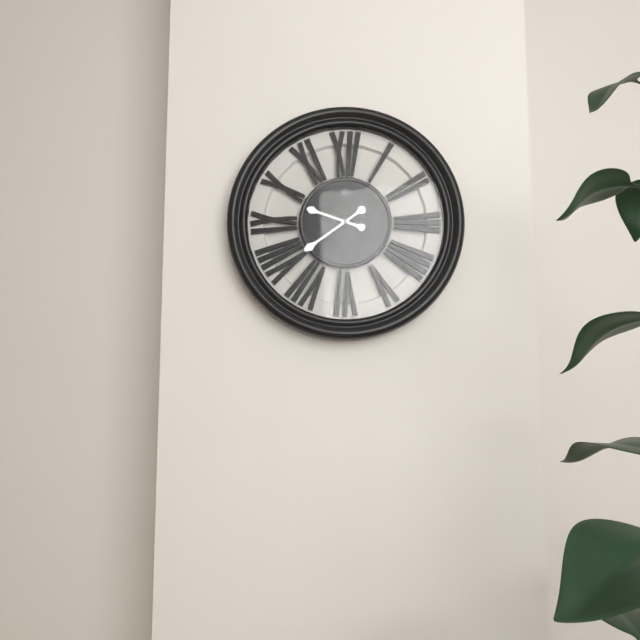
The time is **9:39**
